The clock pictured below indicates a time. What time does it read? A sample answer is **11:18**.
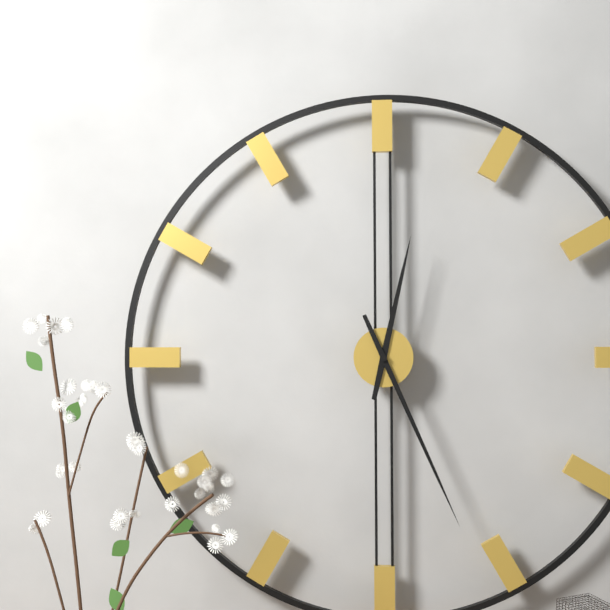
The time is **12:26**
